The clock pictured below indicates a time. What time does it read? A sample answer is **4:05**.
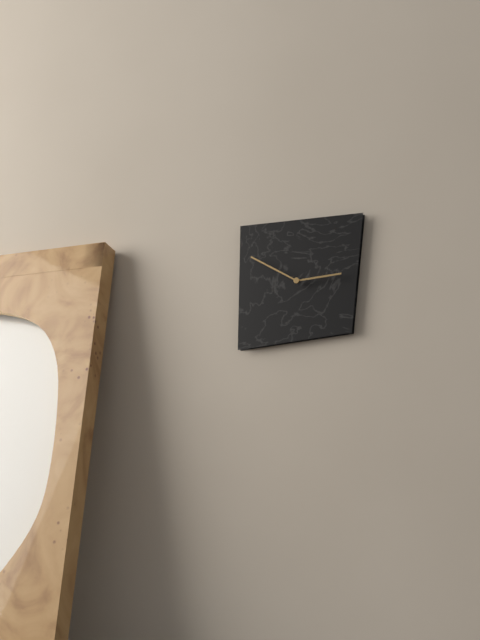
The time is **2:50**
